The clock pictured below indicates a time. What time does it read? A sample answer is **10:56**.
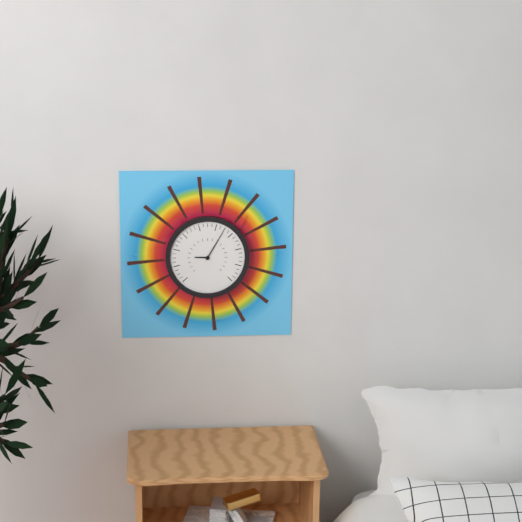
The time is **9:05**
